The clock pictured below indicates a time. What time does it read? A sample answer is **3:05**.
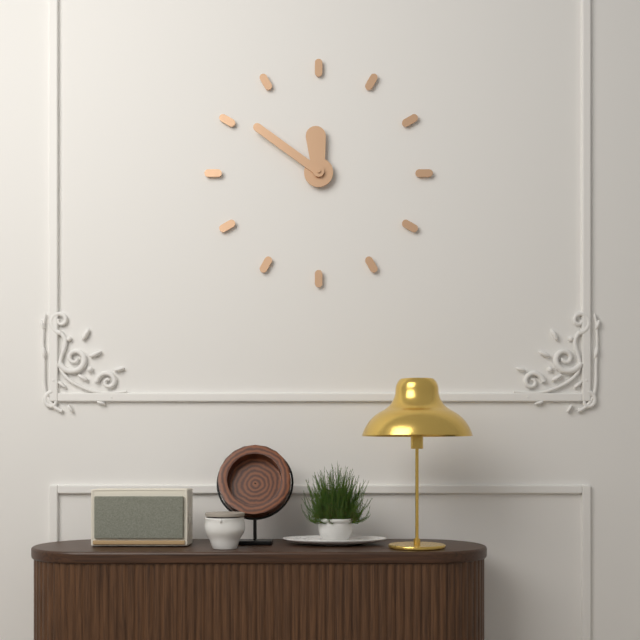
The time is **11:51**
